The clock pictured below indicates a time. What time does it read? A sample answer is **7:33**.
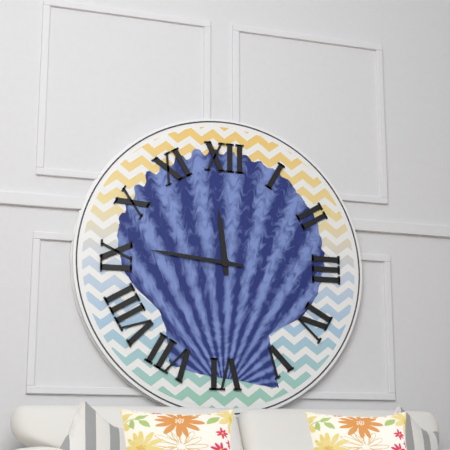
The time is **11:46**
